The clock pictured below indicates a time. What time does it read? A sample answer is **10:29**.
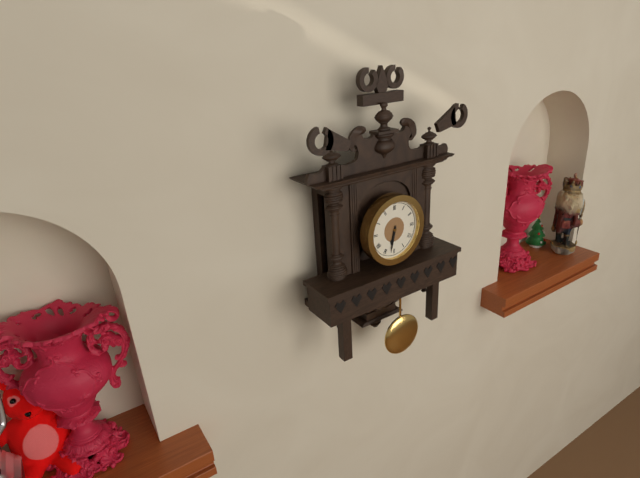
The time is **6:32**
